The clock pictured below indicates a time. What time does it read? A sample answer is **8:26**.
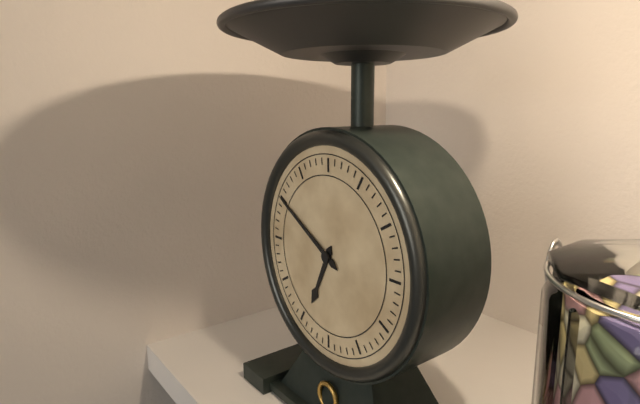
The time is **6:50**
